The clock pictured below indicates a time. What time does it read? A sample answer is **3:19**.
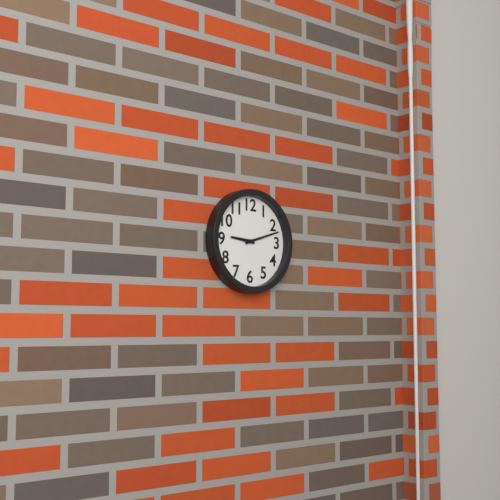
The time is **9:12**
